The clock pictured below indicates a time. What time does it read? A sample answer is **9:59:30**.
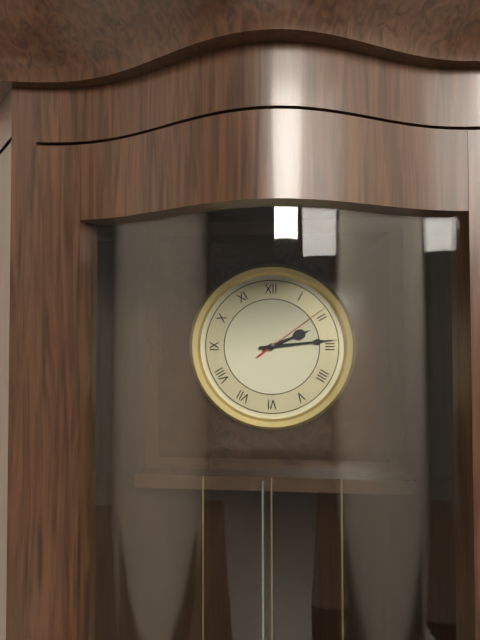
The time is **2:14:09**
